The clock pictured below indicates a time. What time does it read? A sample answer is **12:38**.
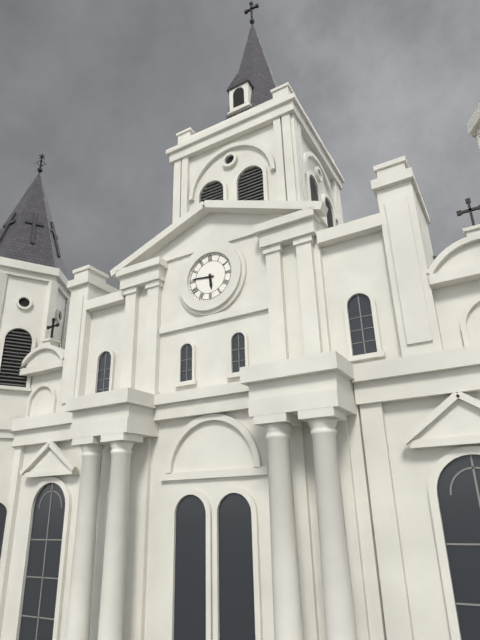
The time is **5:46**
